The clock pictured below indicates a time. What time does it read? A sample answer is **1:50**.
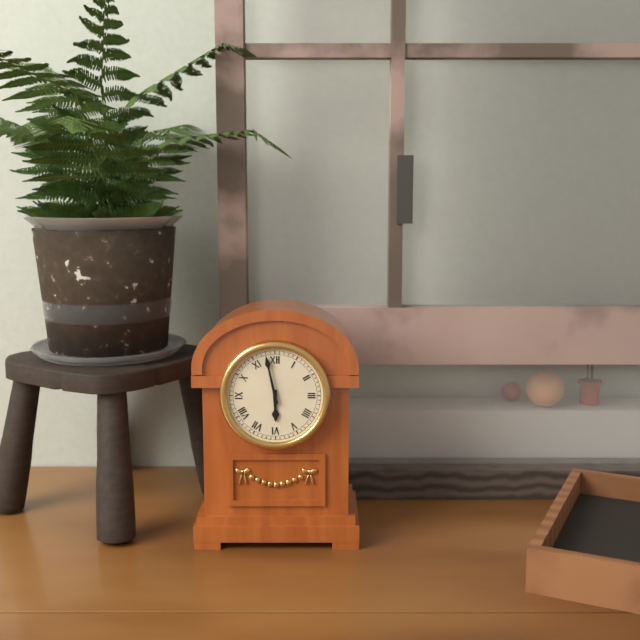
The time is **5:58**
